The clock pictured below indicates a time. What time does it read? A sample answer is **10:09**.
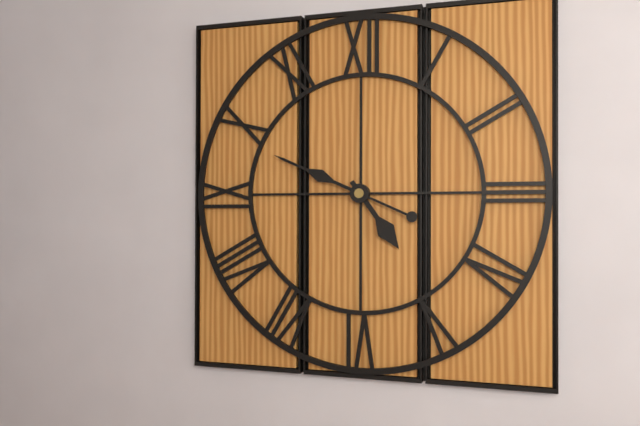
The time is **4:49**
